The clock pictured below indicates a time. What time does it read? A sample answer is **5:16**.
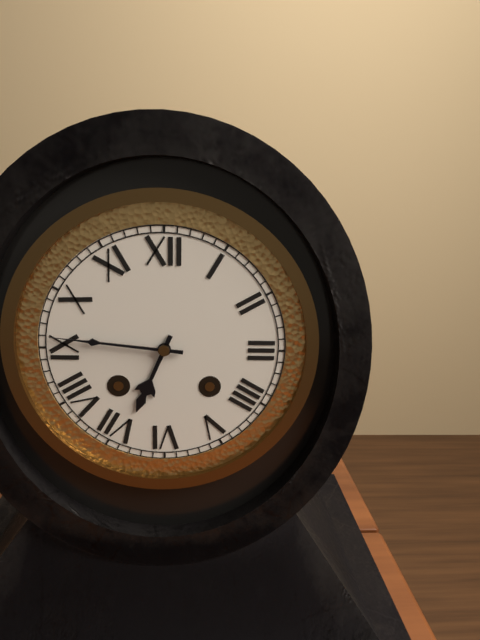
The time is **6:46**
